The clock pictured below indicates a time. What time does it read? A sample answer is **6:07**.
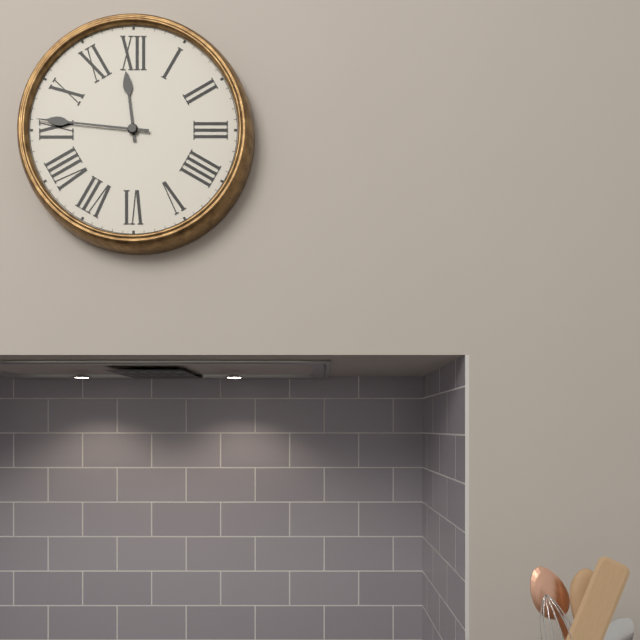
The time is **11:46**
